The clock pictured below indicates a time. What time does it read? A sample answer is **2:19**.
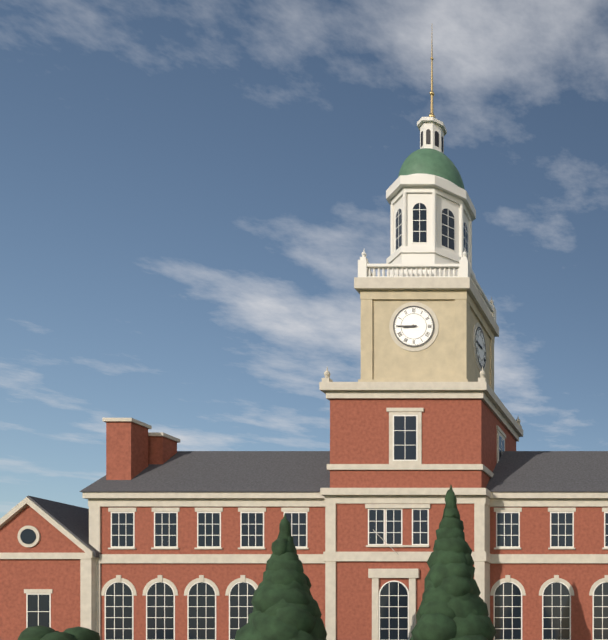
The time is **8:45**
